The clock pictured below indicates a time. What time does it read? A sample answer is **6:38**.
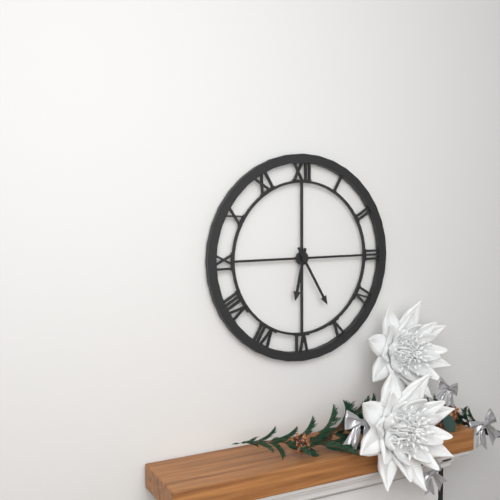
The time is **6:25**
